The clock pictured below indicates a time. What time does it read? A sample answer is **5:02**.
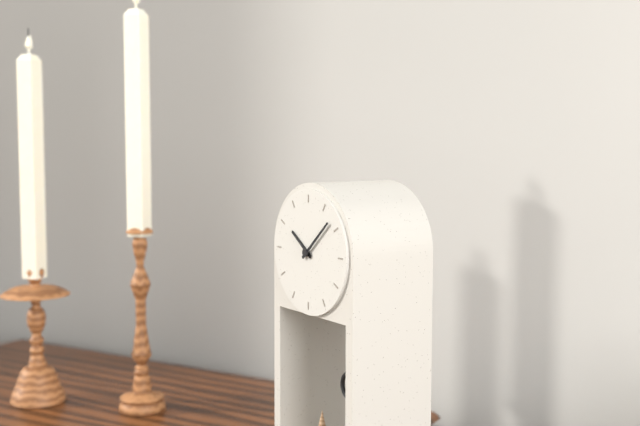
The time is **10:08**
